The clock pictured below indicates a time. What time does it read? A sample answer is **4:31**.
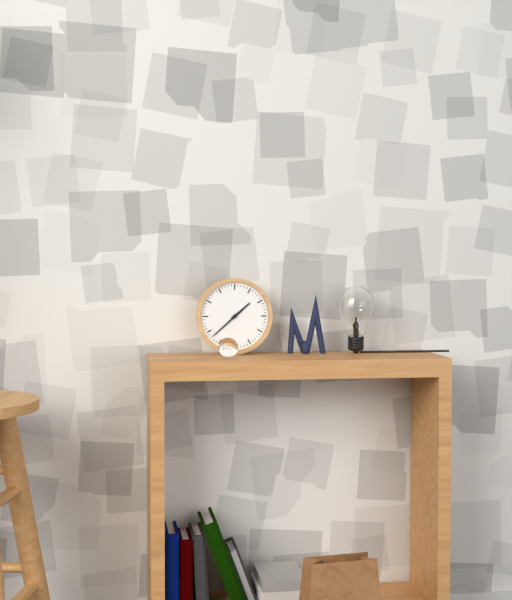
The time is **1:38**
